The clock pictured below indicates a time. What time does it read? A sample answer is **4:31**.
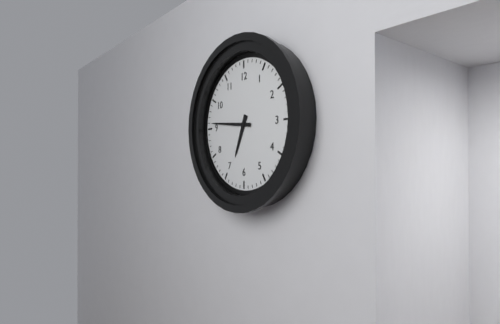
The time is **6:46**
